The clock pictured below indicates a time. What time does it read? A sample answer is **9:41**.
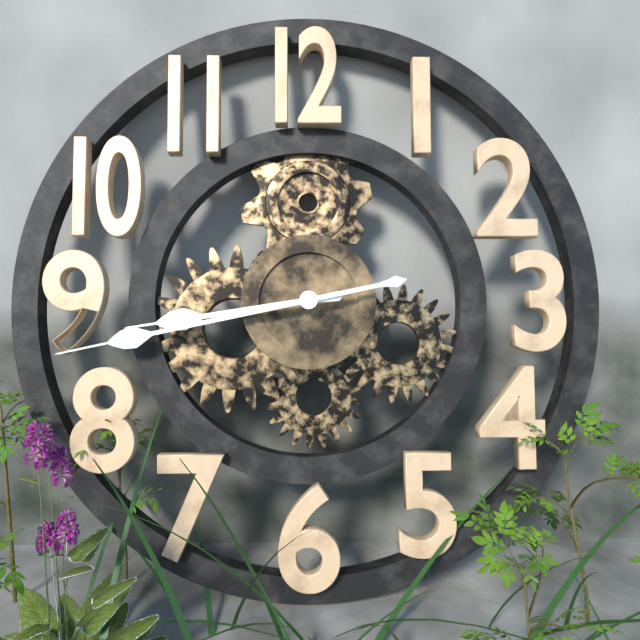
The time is **8:43**
